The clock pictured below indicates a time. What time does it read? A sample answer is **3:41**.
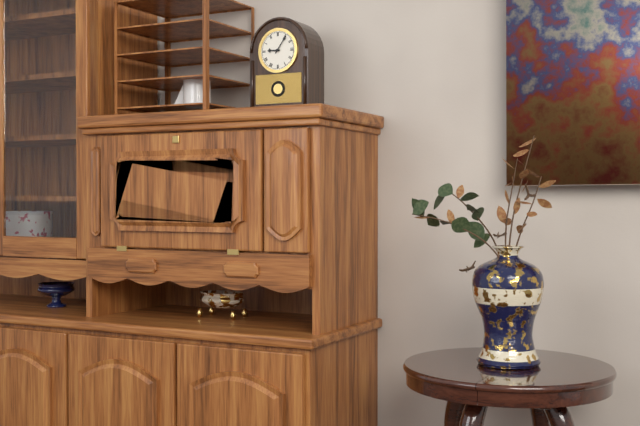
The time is **9:06**
